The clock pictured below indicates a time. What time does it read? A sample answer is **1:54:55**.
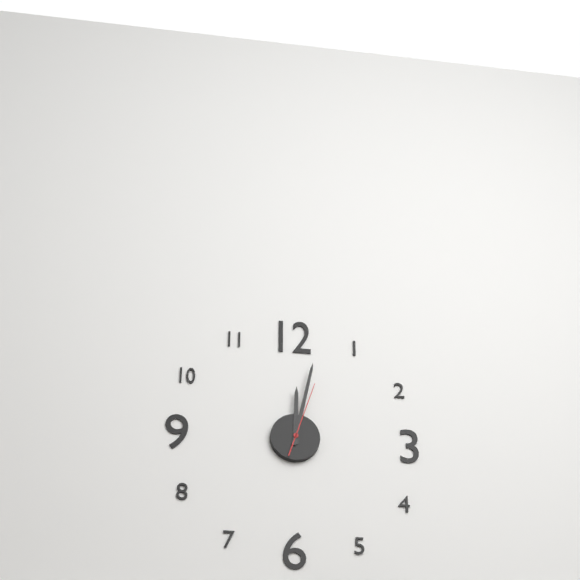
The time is **12:02:03**
